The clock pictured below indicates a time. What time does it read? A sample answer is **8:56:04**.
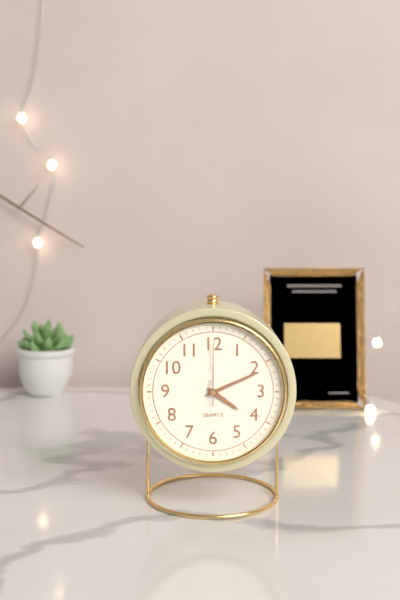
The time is **4:11:00**
